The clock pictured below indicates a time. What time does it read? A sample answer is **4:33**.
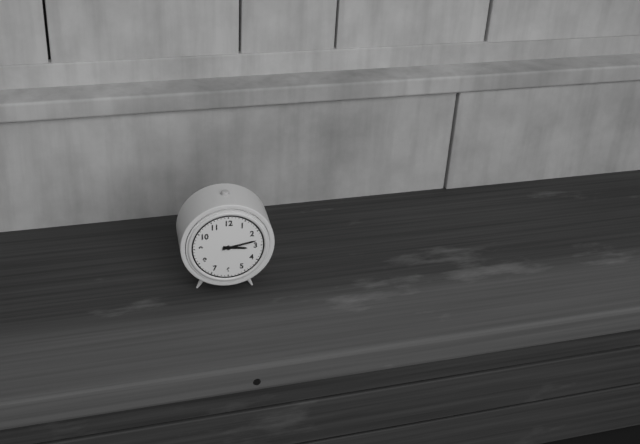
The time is **3:13**
